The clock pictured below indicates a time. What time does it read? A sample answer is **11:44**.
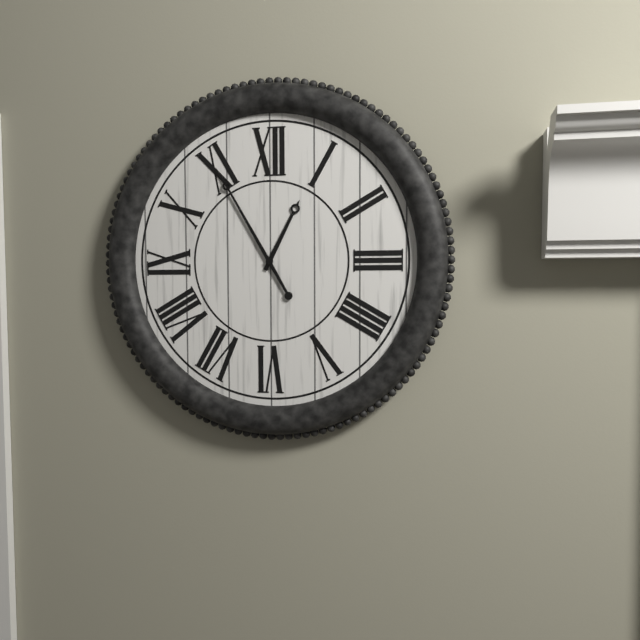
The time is **12:55**
